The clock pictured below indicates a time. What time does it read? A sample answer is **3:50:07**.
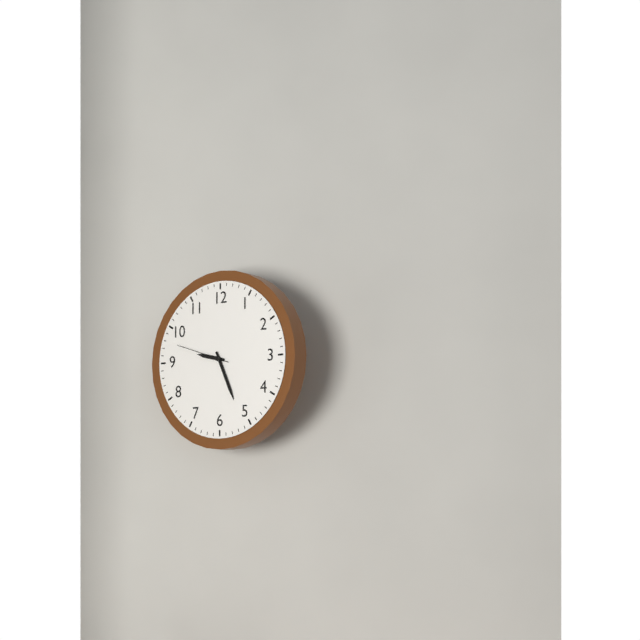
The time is **9:26:48**
